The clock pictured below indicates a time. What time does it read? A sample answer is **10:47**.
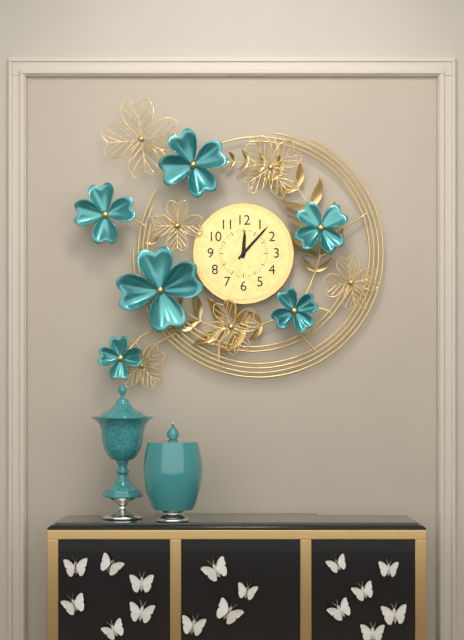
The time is **12:07**
